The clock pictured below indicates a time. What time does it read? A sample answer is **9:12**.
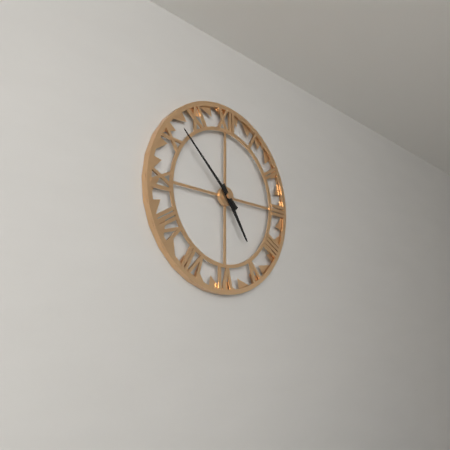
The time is **4:52**
